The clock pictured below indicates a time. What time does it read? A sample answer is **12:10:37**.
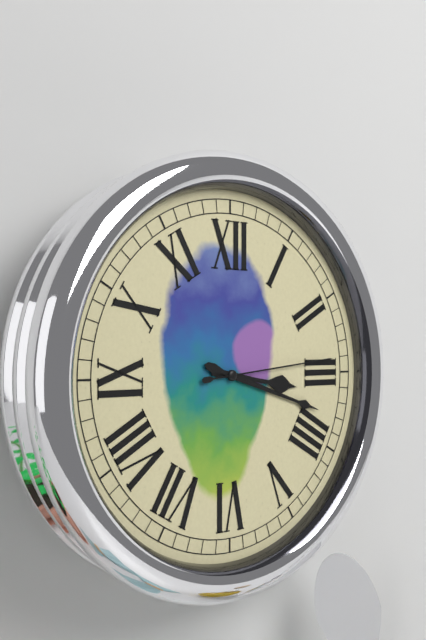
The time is **3:18:14**
